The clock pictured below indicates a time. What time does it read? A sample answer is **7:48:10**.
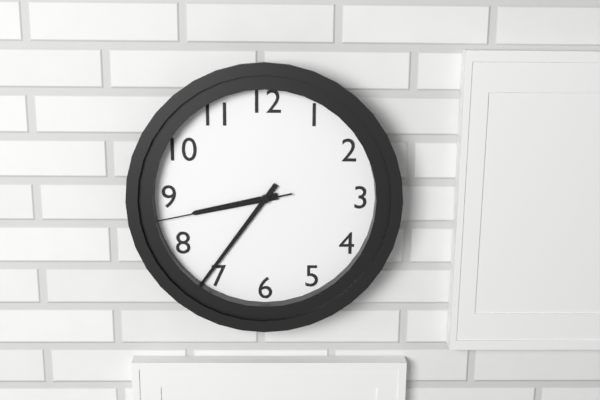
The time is **8:36:43**
